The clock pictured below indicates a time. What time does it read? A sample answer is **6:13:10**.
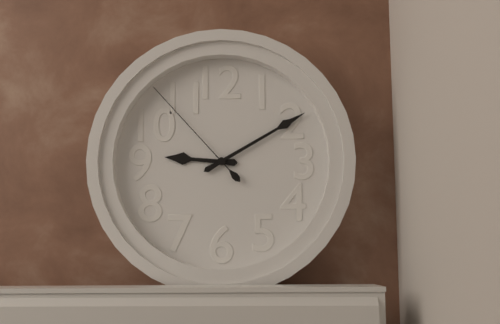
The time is **9:10:53**
